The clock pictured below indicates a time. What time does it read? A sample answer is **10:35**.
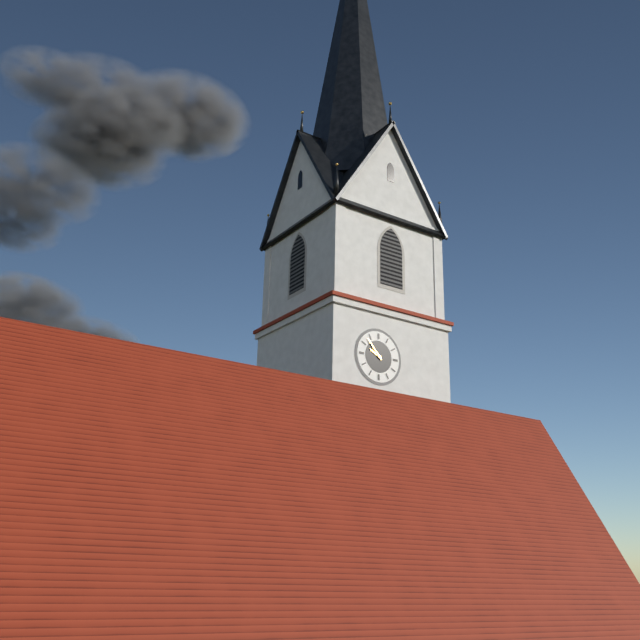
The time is **9:53**
